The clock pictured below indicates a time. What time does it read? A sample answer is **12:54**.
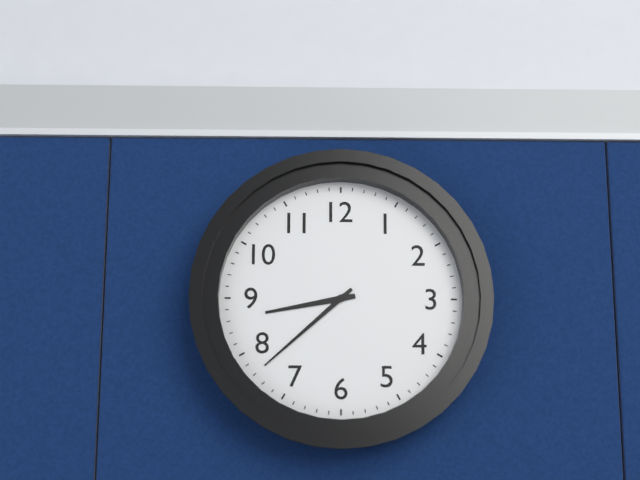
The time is **8:38**
